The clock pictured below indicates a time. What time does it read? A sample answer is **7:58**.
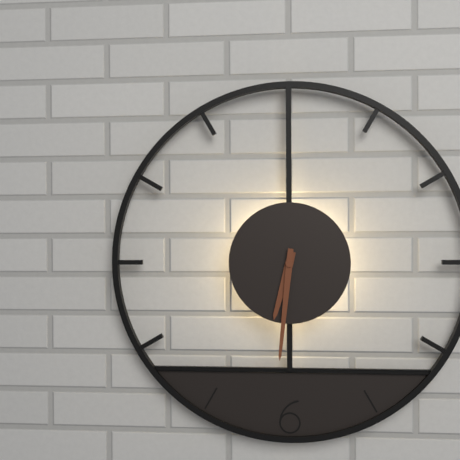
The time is **6:31**
